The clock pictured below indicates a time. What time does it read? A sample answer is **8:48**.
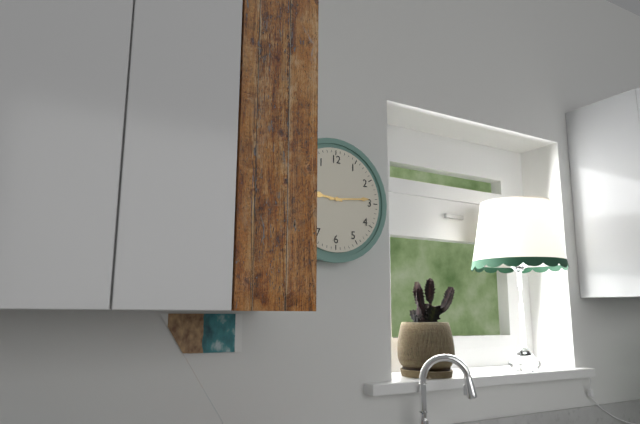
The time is **9:14**
